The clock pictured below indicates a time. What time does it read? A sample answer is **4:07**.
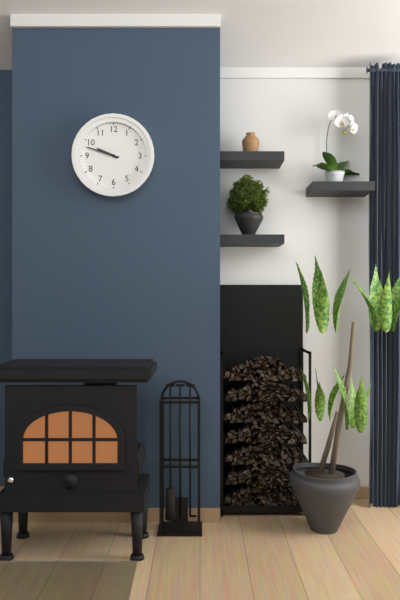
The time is **9:48**
